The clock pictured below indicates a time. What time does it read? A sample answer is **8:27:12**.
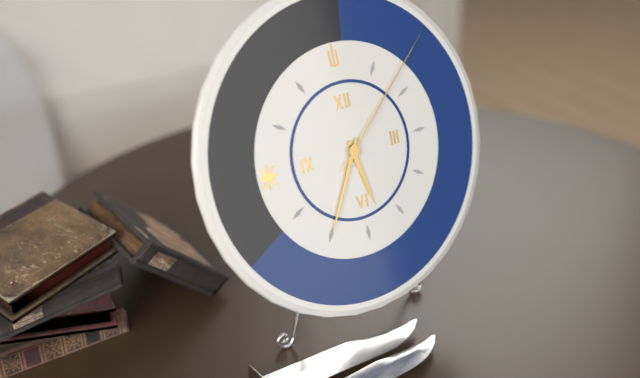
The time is **5:35:08**
